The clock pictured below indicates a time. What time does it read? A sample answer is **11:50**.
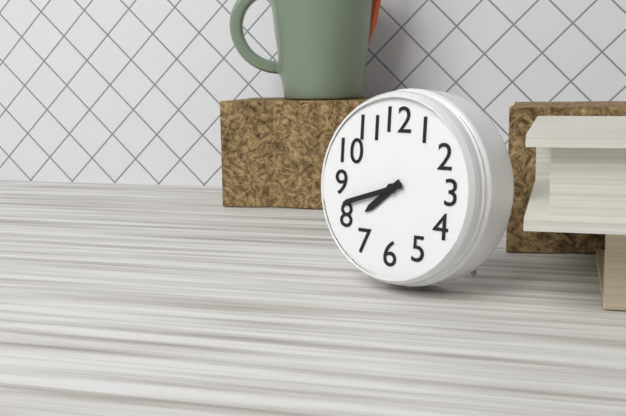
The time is **7:42**
